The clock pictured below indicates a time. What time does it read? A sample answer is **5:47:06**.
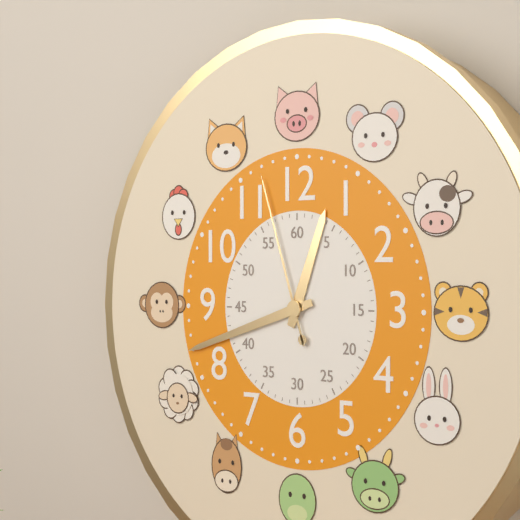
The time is **12:42:57**
